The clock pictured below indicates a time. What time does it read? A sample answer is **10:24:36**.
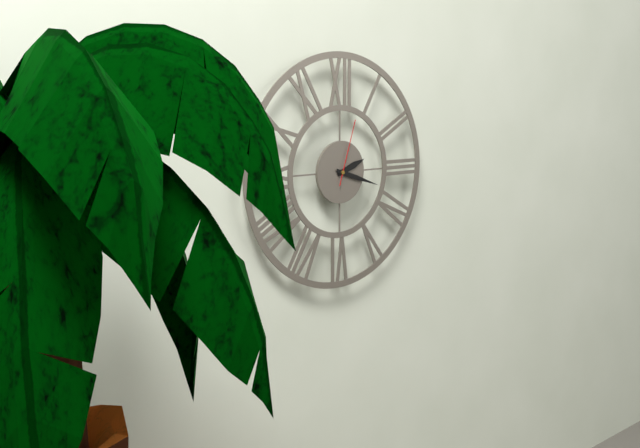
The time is **2:18:03**
